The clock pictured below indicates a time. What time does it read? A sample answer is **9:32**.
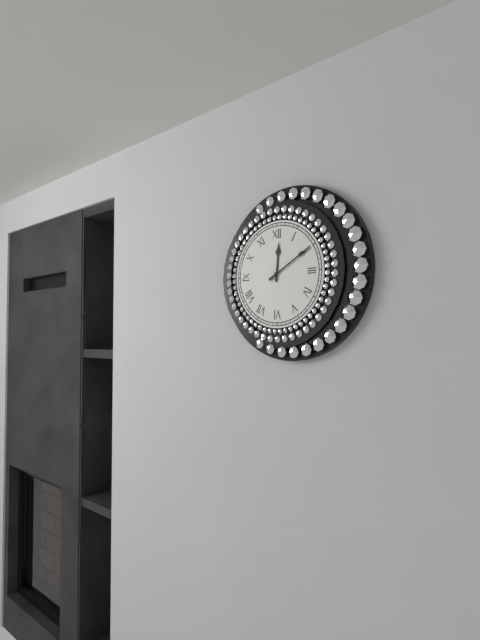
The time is **12:10**
